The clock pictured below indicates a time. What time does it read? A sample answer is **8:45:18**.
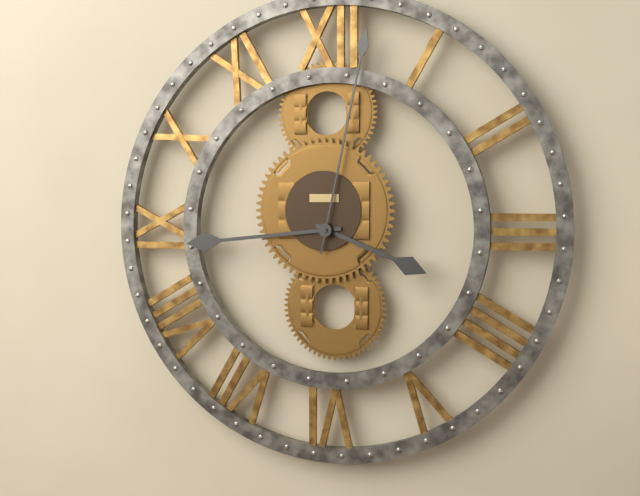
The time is **3:44:02**
